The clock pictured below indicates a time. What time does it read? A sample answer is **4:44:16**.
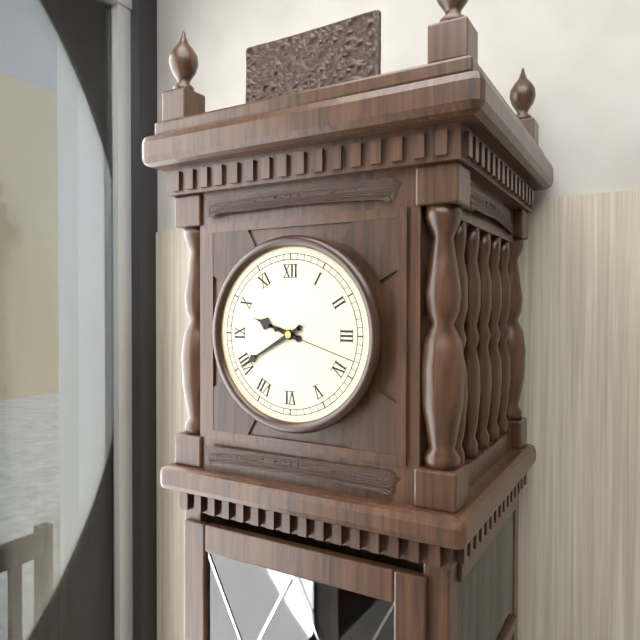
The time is **9:40:18**
